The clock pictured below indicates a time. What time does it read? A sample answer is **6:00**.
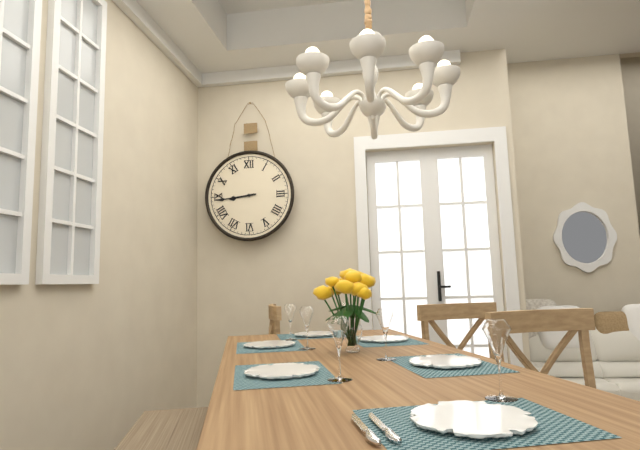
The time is **8:44**
